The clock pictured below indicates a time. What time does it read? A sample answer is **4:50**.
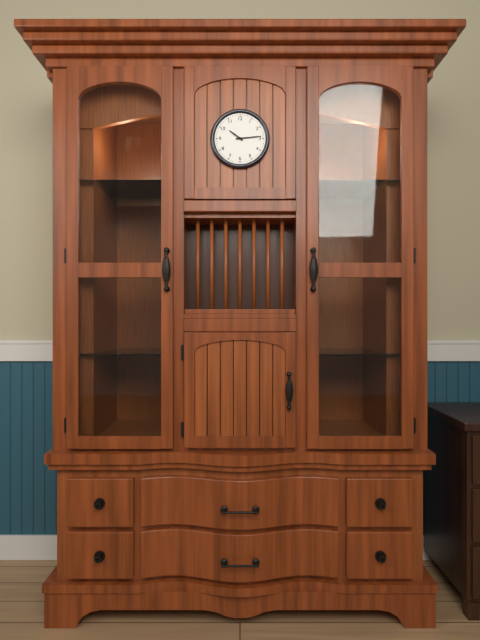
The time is **10:14**
